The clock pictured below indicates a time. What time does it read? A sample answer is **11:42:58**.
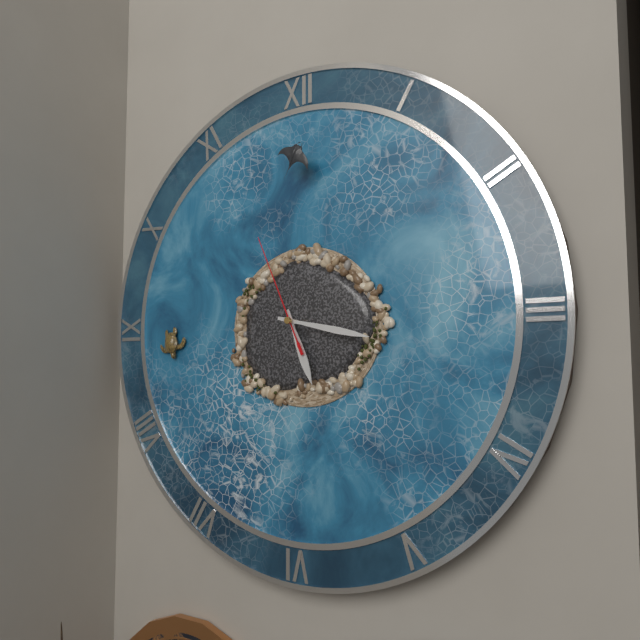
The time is **5:17:56**
